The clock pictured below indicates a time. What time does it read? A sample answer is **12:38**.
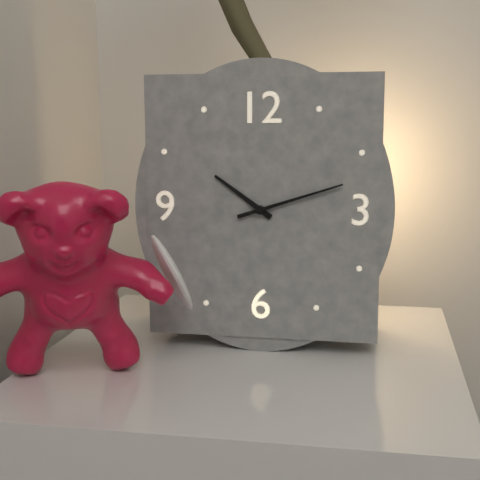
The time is **10:12**
